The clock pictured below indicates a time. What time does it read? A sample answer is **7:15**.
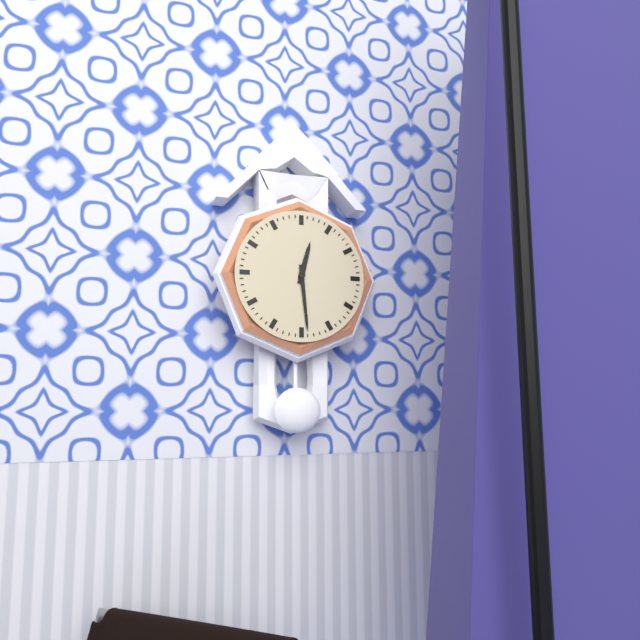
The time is **12:29**
